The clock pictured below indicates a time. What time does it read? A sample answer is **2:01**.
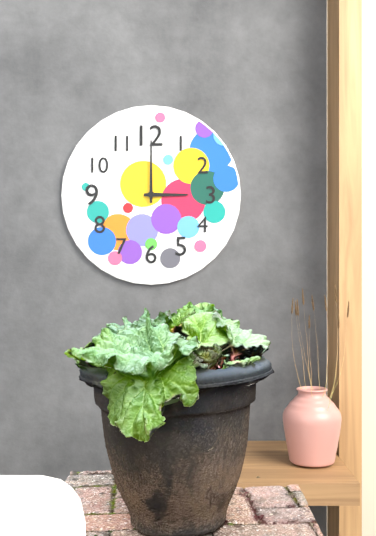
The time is **3:00**
